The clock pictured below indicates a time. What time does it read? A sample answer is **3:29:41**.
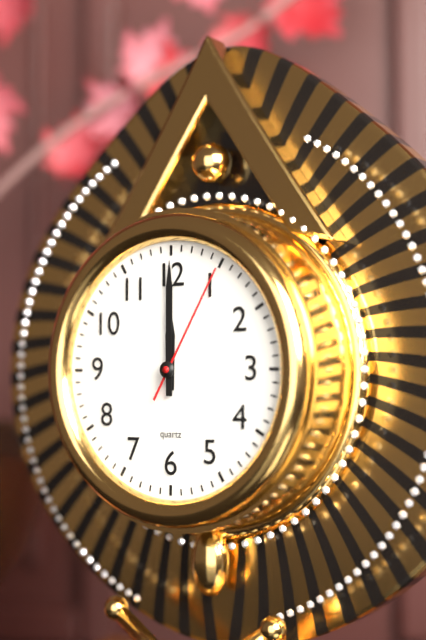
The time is **12:00:05**
